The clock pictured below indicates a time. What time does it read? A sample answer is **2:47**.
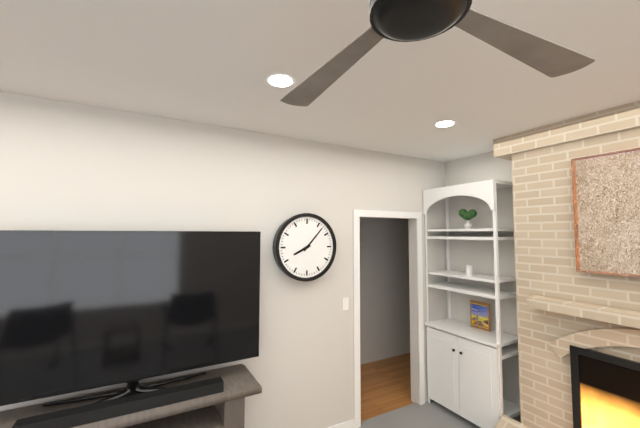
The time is **8:07**
